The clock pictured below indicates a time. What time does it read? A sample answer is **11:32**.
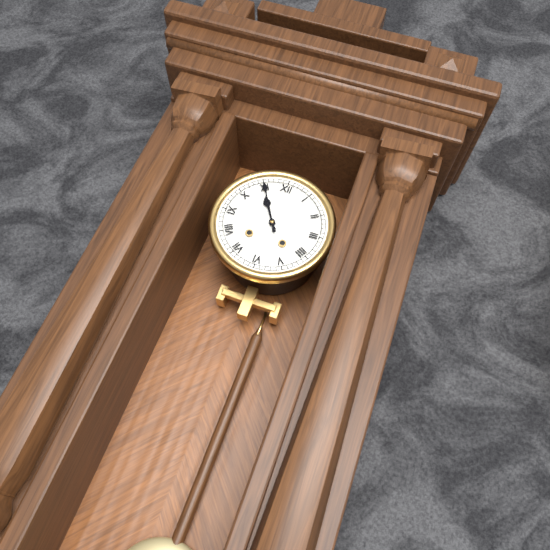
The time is **10:55**
